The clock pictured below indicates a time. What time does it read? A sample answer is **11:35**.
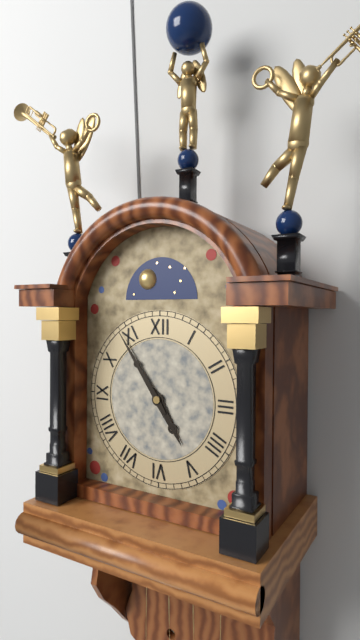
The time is **4:54**
